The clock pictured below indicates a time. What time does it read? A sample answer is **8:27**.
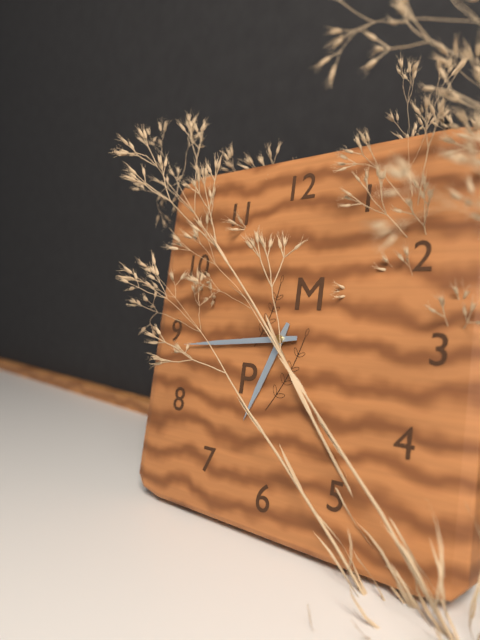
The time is **6:44**
